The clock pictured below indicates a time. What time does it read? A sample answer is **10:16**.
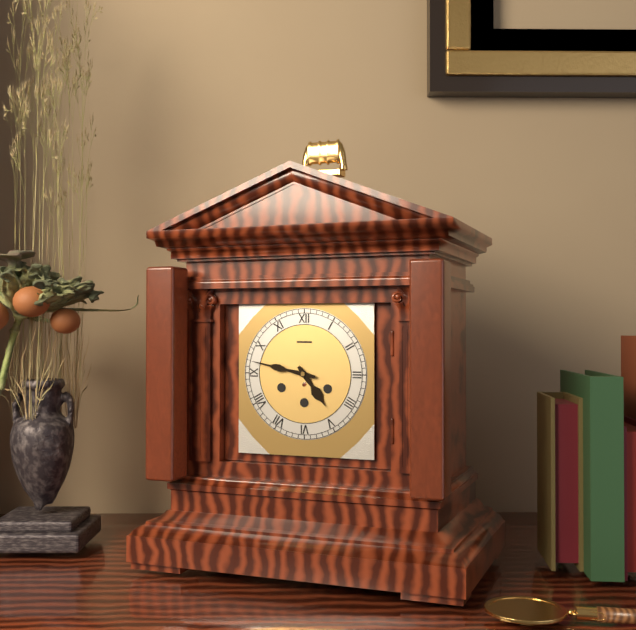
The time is **4:47**
